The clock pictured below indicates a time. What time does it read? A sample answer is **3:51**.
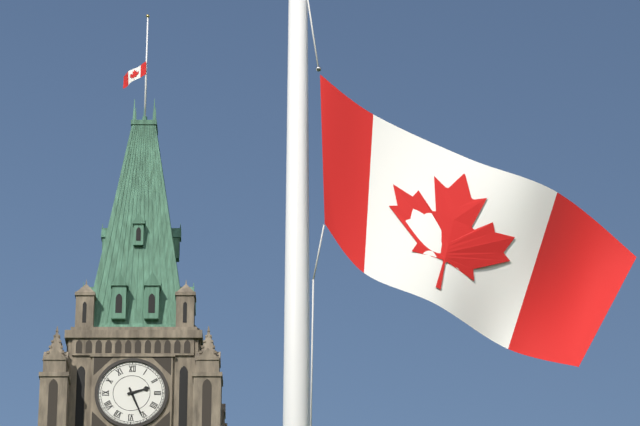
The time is **2:26**
